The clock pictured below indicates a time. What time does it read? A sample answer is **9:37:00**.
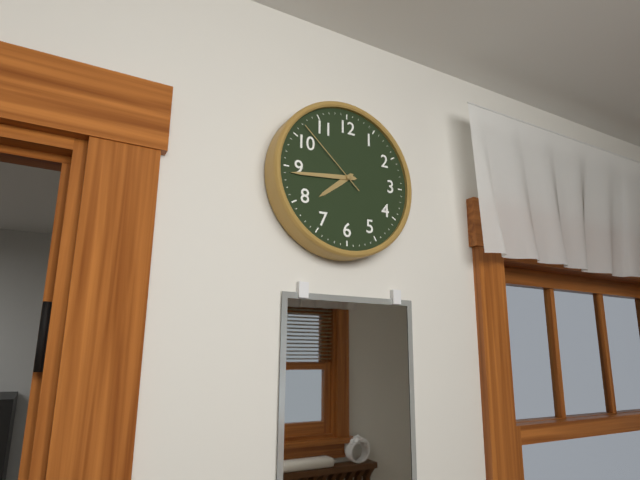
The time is **7:44:52**
